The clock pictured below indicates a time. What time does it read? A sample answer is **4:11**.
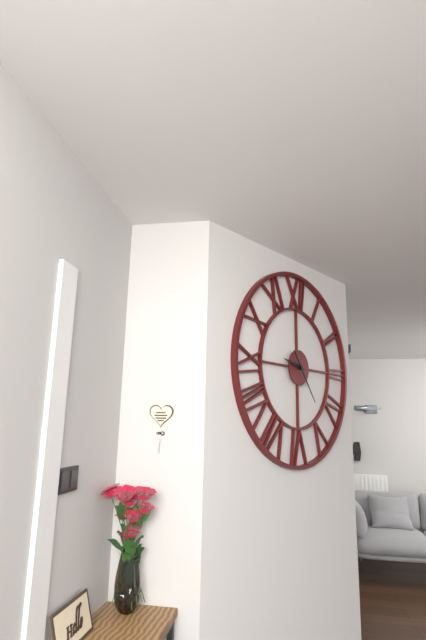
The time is **9:24**
